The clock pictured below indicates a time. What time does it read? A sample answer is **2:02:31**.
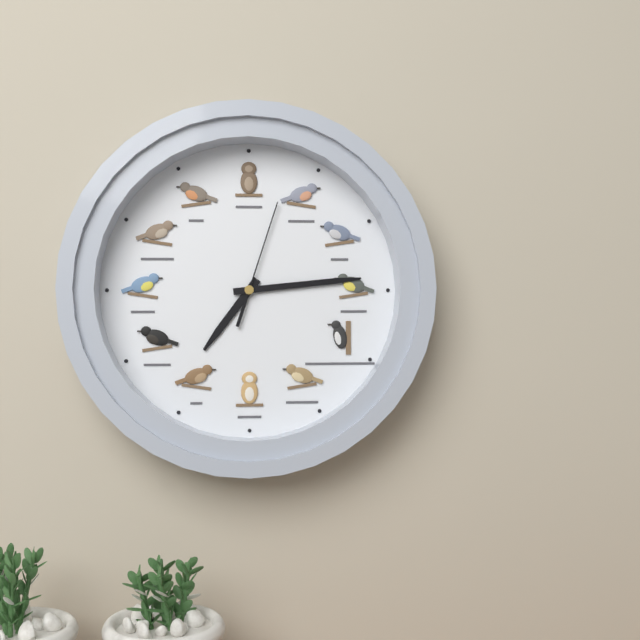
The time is **7:14:03**
